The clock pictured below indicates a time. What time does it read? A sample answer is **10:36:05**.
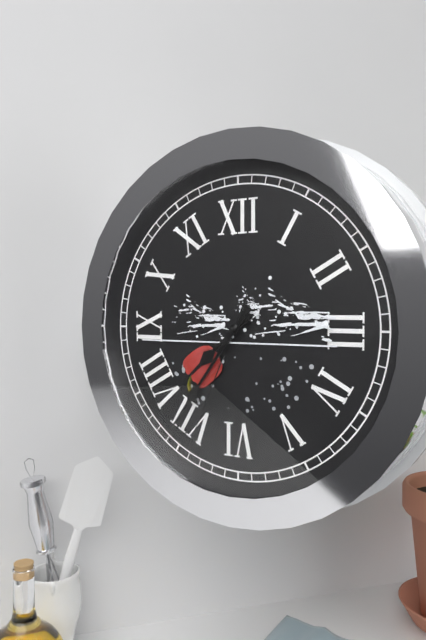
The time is **7:36:34**
